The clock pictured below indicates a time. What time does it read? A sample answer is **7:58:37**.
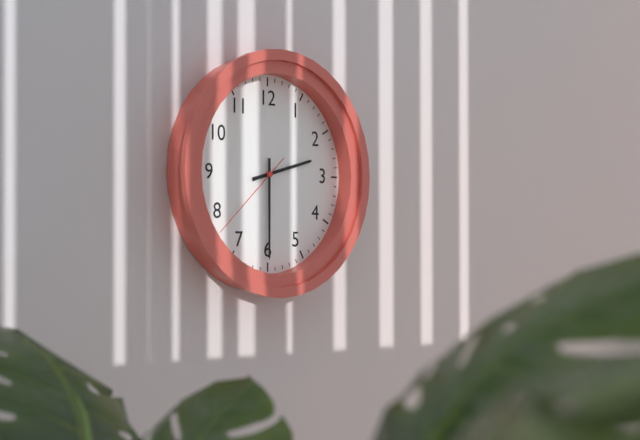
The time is **2:30:38**
